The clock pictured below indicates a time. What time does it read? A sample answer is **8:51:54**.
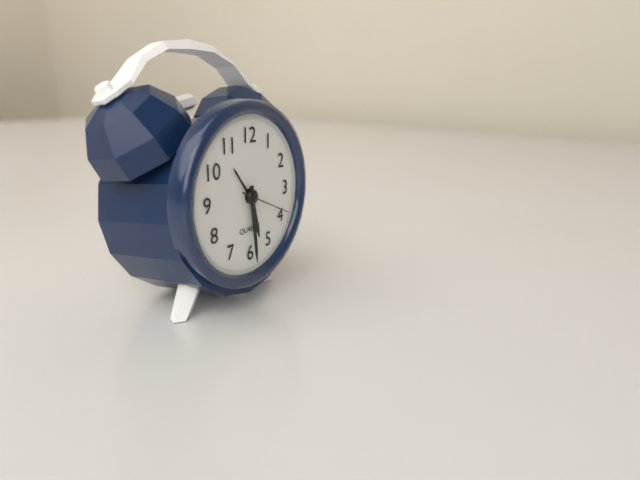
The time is **5:29:19**
